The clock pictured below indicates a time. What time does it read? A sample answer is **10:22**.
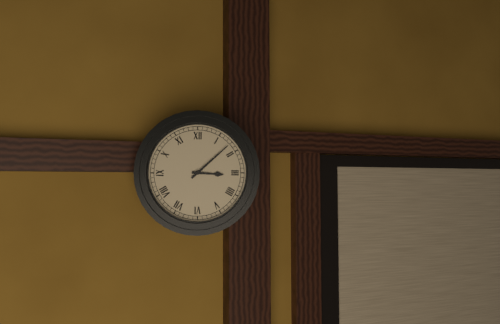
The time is **3:08**
